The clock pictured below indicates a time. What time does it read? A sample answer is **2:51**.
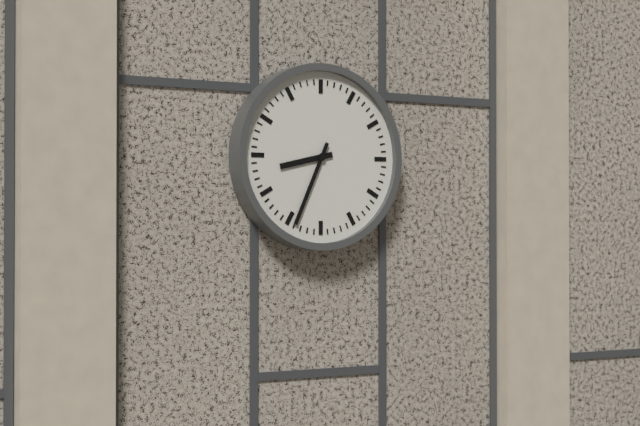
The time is **8:34**
